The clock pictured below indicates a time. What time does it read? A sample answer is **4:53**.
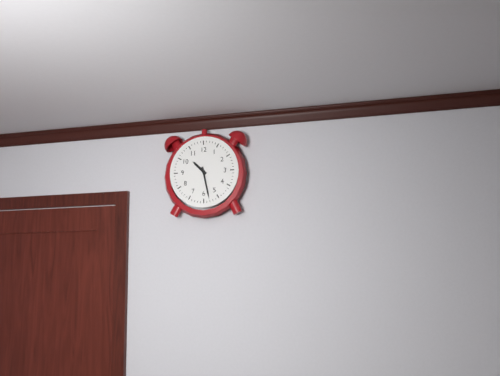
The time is **10:28**
